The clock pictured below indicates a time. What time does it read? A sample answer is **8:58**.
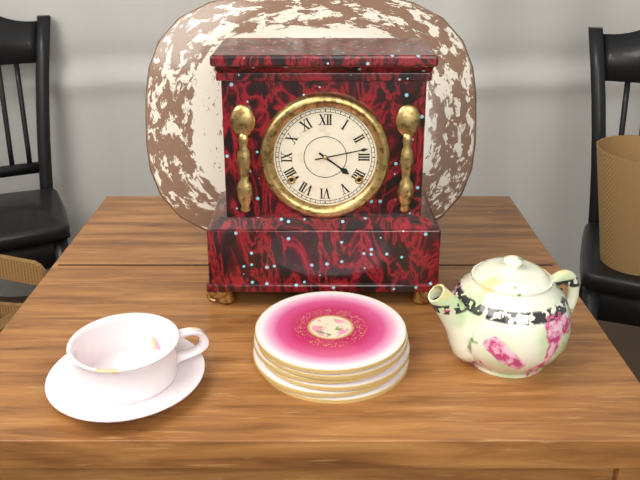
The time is **4:13**
